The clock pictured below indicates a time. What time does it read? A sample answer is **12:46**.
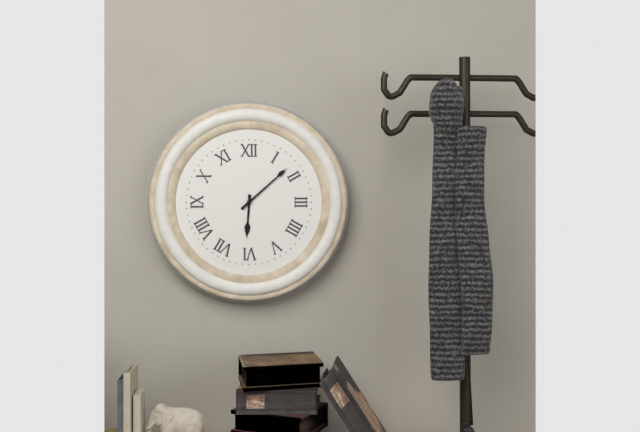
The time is **6:08**
